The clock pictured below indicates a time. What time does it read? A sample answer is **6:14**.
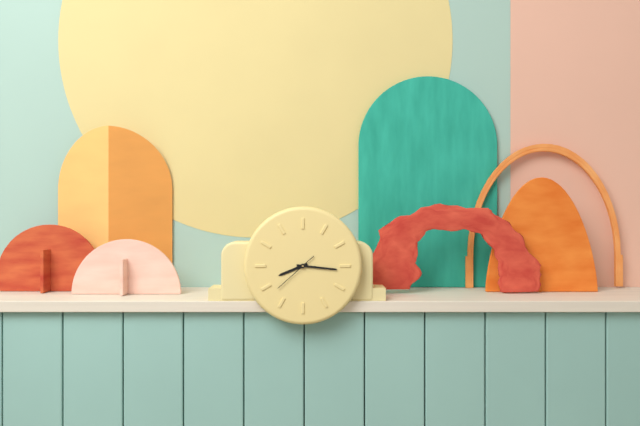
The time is **8:16**
